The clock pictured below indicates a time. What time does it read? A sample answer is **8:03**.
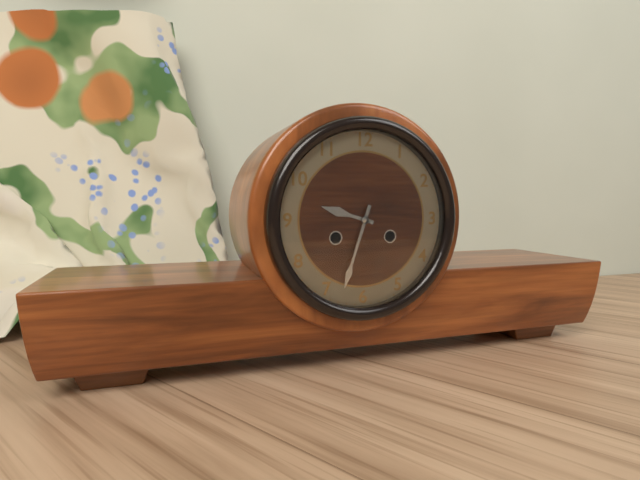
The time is **9:33**
